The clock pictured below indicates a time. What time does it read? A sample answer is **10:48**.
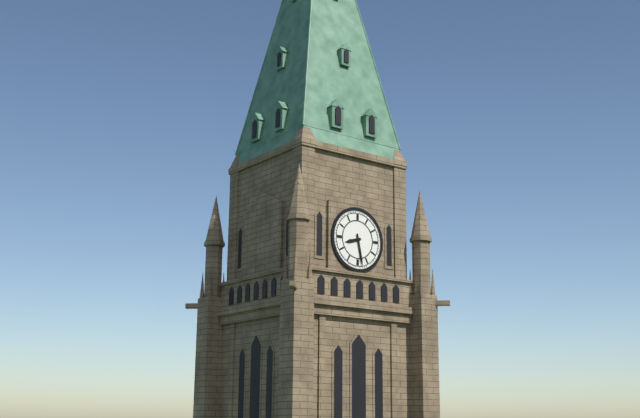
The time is **8:28**
